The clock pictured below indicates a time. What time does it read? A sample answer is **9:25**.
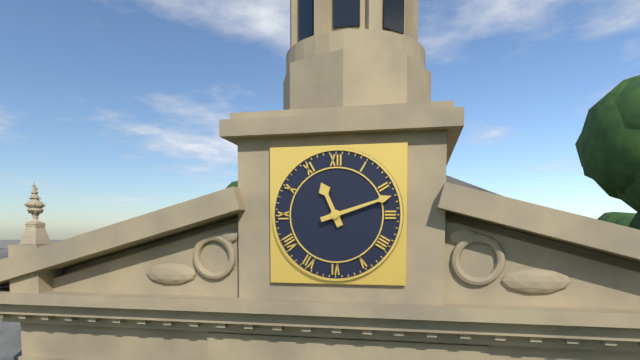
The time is **11:12**
